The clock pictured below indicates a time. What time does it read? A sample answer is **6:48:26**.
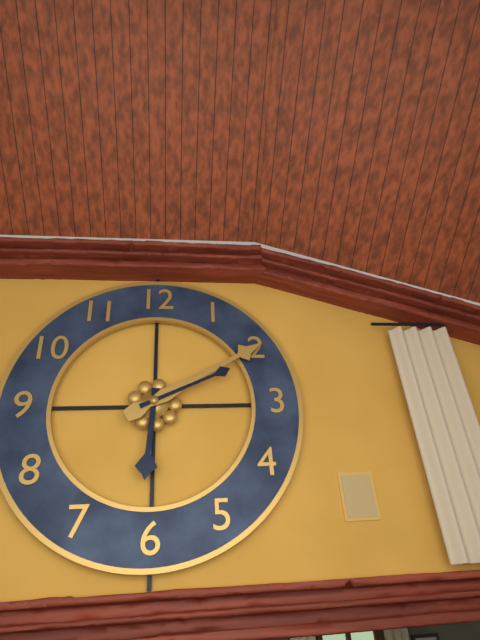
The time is **6:10:11**
